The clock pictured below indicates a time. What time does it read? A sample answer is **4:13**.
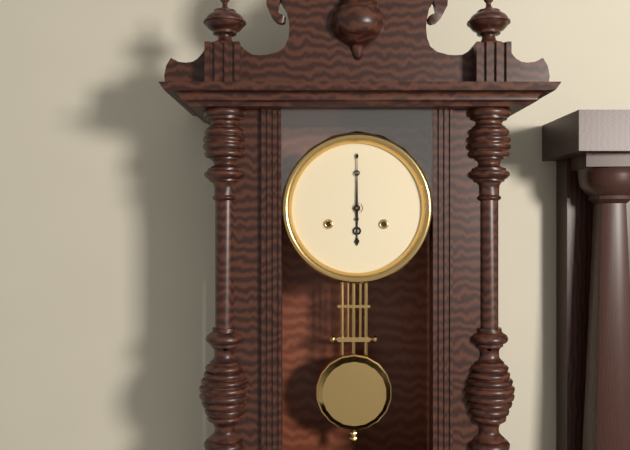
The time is **6:00**
